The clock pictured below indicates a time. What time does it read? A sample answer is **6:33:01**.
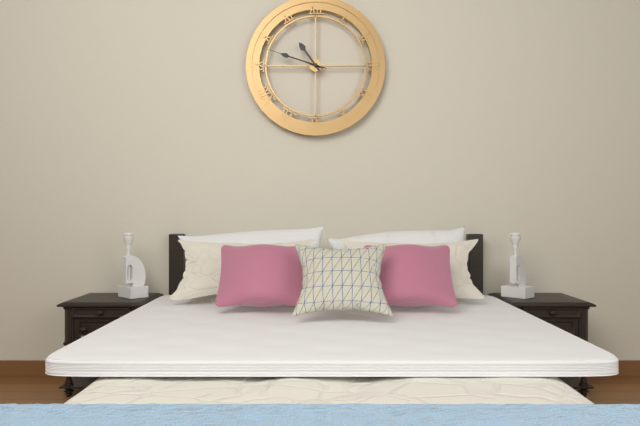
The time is **10:48:48**
